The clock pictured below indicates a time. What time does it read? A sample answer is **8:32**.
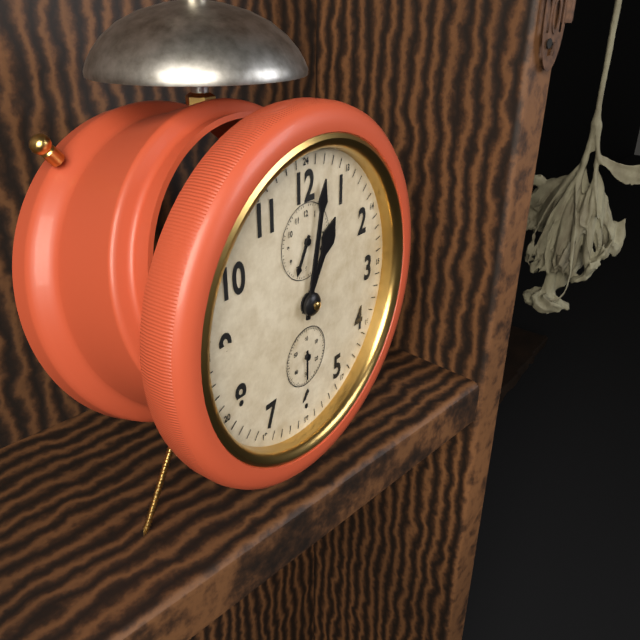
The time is **1:02**
